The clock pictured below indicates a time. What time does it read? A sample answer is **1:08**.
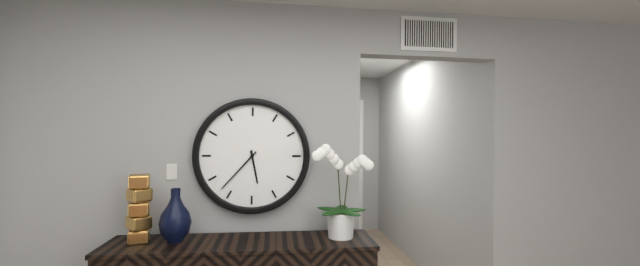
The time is **5:37**
